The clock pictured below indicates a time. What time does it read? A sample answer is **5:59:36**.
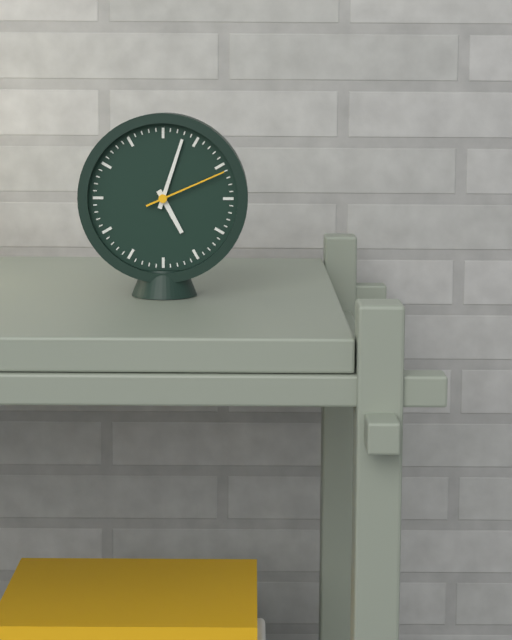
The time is **5:03:11**
